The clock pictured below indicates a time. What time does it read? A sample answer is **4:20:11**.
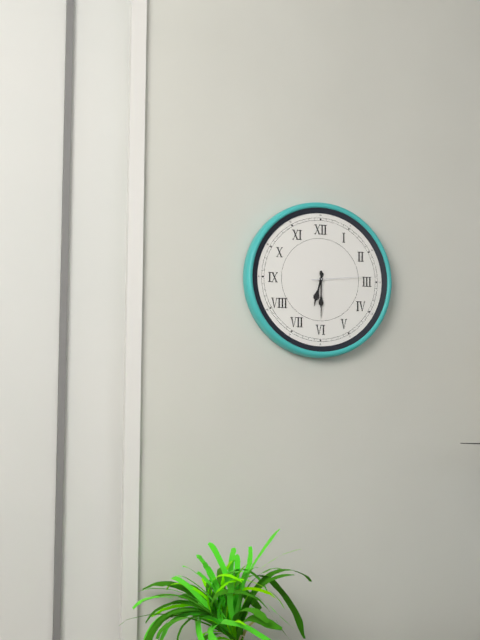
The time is **6:30:14**
